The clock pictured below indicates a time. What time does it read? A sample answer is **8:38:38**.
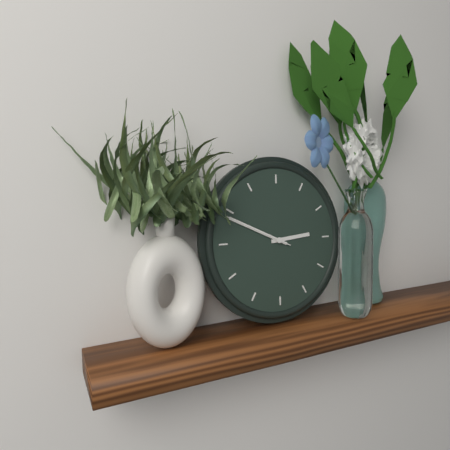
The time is **2:49:49**
